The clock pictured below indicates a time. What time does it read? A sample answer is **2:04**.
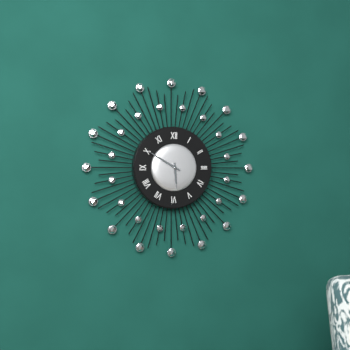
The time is **5:50**
